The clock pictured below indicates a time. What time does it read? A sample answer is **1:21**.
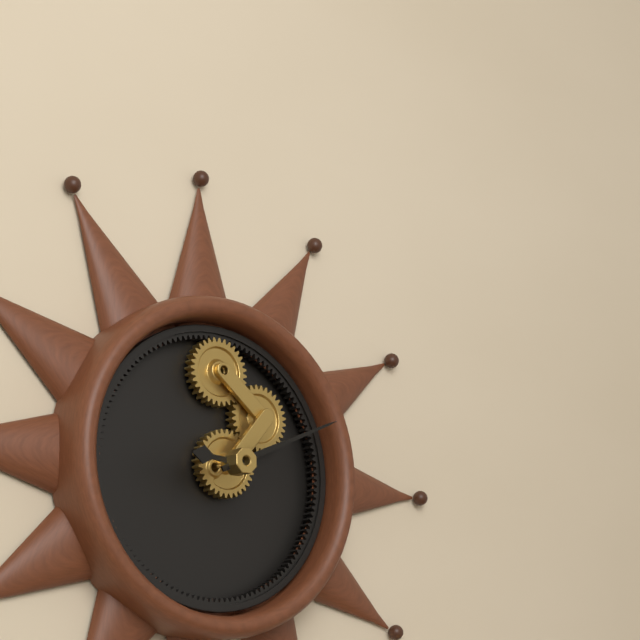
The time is **9:11**
